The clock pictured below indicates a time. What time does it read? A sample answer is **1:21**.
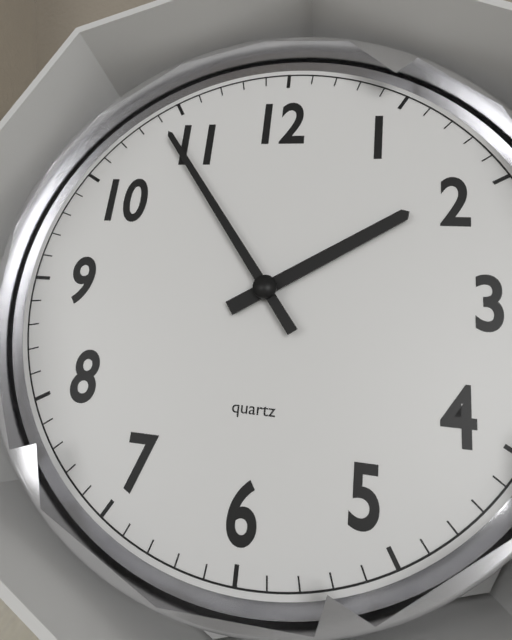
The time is **1:54**
